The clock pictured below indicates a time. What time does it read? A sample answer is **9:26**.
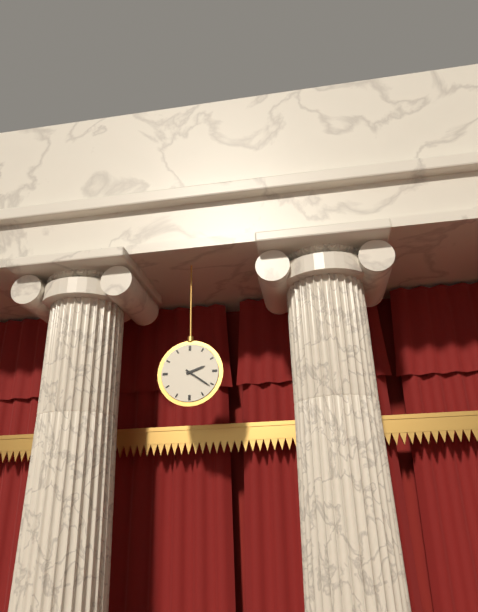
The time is **2:21**
